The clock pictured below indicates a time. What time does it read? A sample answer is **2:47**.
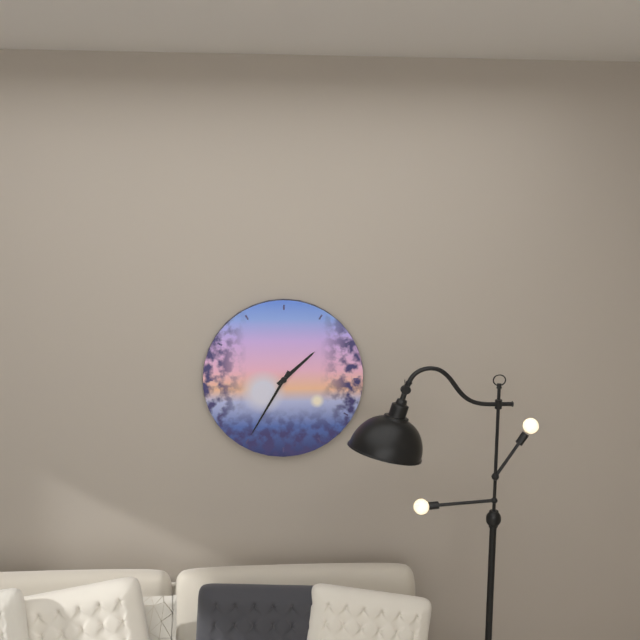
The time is **1:35**
